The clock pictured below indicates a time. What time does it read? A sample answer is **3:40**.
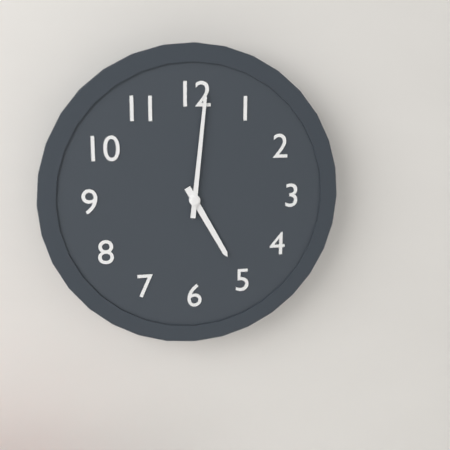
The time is **5:01**
